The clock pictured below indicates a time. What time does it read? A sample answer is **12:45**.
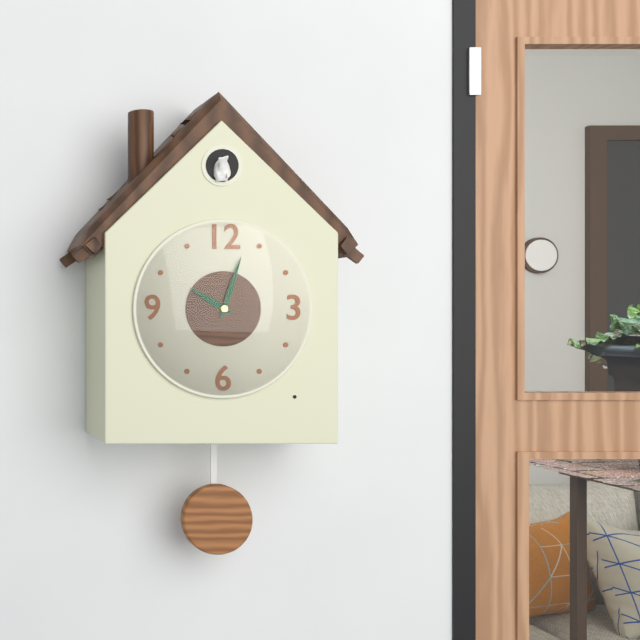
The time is **10:03**
